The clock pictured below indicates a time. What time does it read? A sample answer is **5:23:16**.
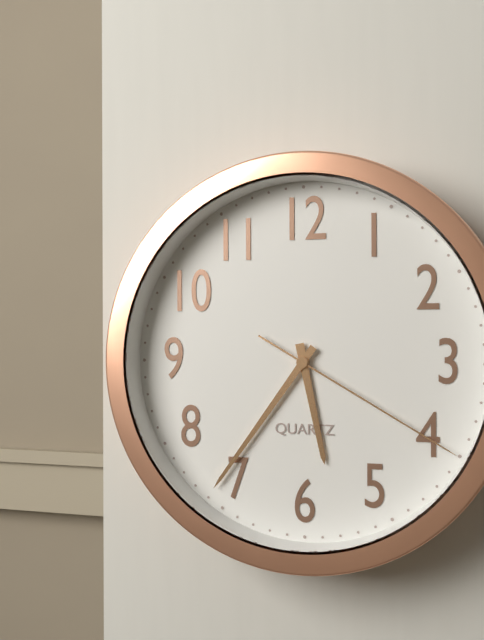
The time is **5:36:20**
